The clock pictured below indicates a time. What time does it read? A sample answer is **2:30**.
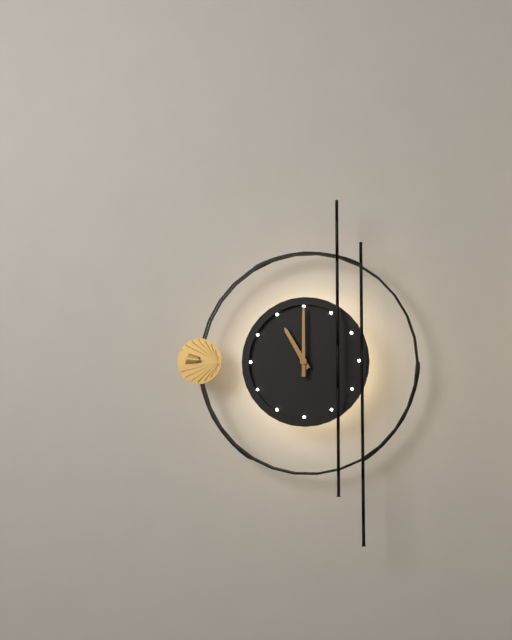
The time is **11:00**
